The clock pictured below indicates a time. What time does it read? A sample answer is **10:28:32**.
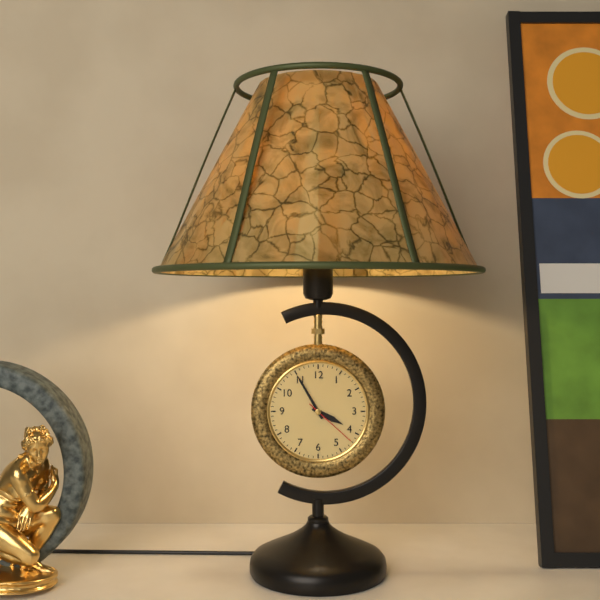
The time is **3:55:22**
